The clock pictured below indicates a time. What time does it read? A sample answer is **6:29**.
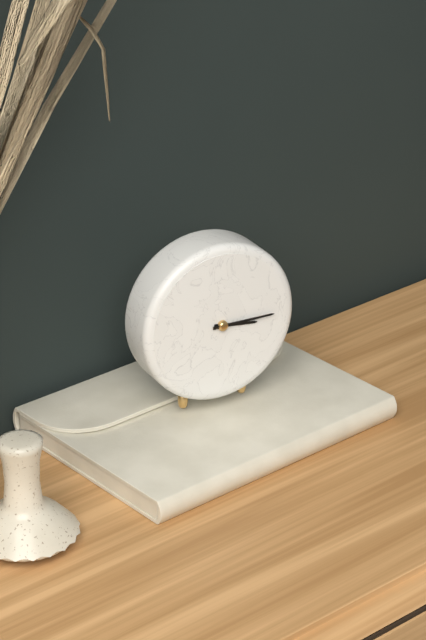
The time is **3:15**
